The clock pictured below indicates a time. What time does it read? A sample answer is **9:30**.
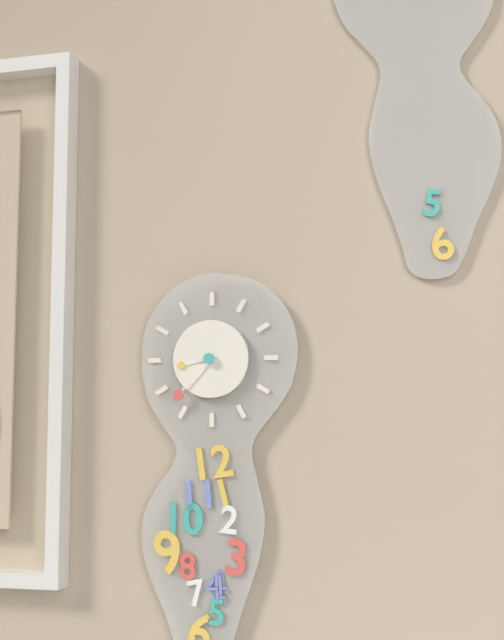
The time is **8:37**
